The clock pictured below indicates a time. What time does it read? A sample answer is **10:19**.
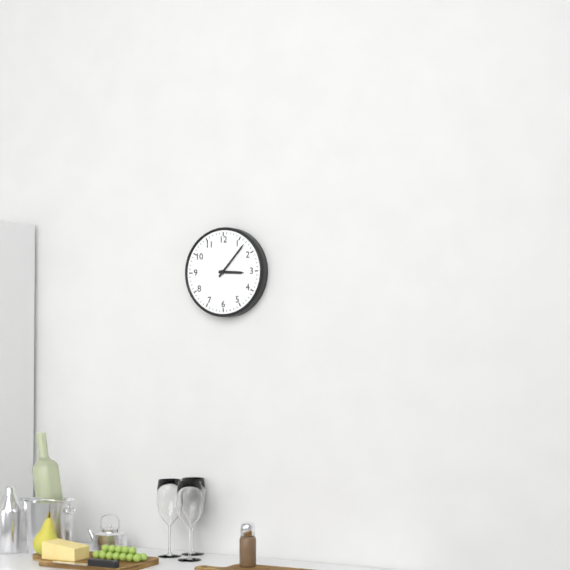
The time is **3:07**
